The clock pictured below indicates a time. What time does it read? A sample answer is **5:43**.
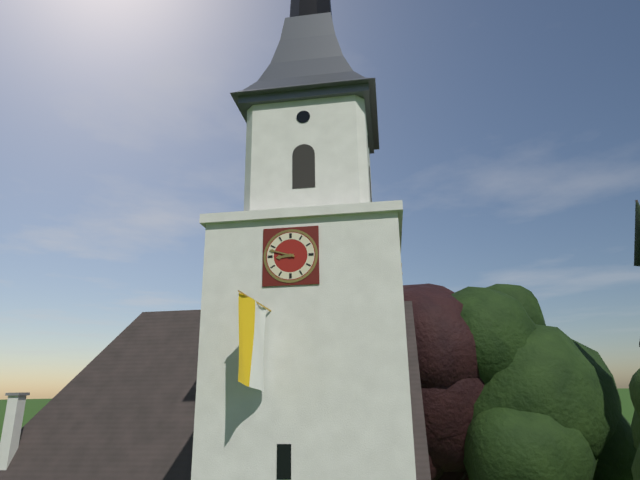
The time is **8:48**
